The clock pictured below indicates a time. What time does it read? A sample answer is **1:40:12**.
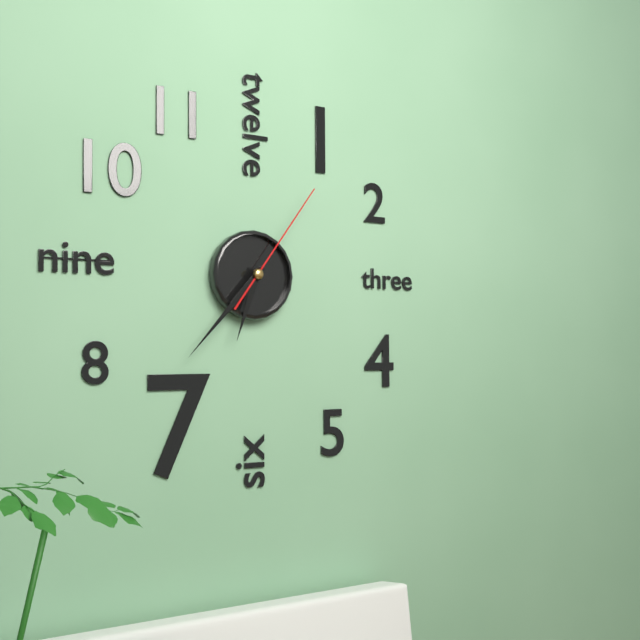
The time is **6:37:06**
